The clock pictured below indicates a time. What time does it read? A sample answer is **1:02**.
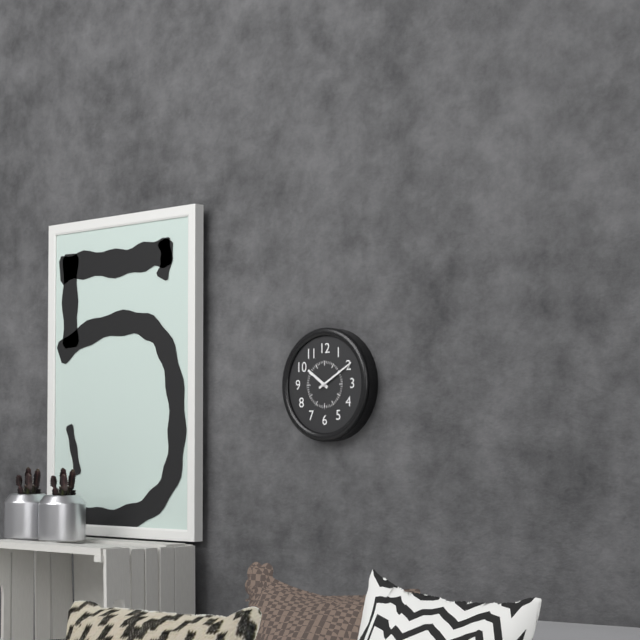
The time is **10:10**
